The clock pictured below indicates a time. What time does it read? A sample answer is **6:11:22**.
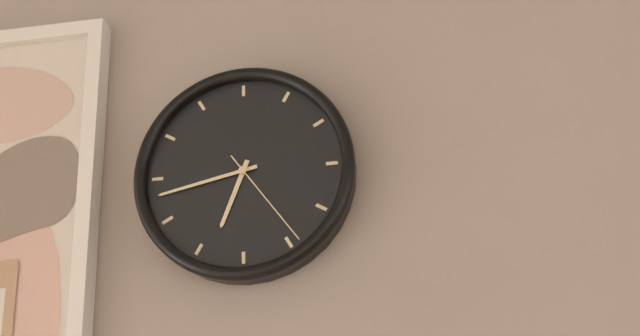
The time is **6:43:24**
